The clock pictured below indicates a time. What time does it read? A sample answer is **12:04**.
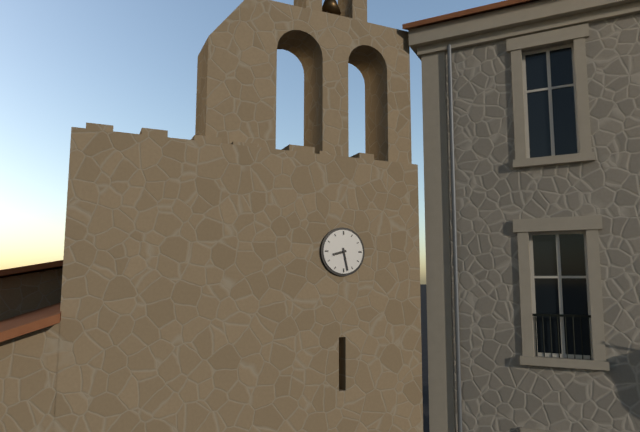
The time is **8:28**
